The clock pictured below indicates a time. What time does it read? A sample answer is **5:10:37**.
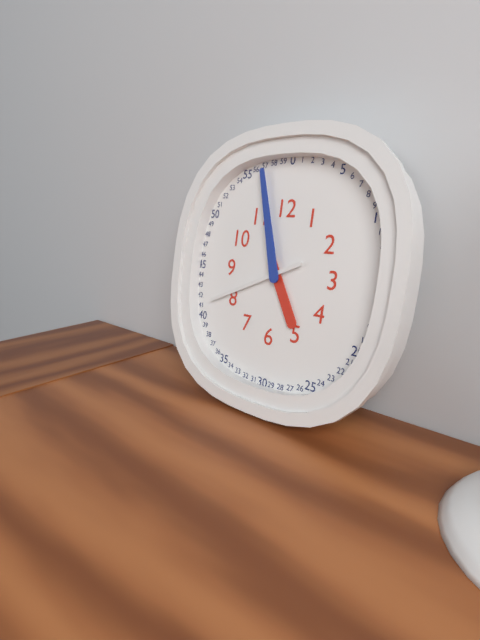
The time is **4:57:41**
